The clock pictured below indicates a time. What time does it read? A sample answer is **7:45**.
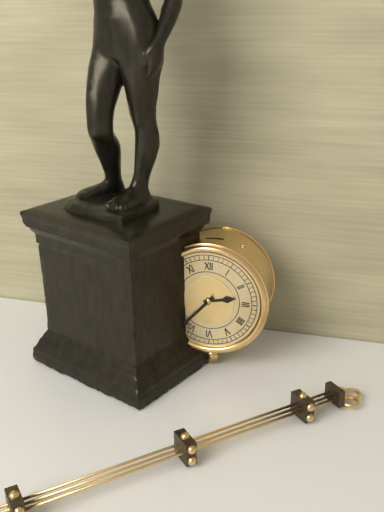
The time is **2:37**
